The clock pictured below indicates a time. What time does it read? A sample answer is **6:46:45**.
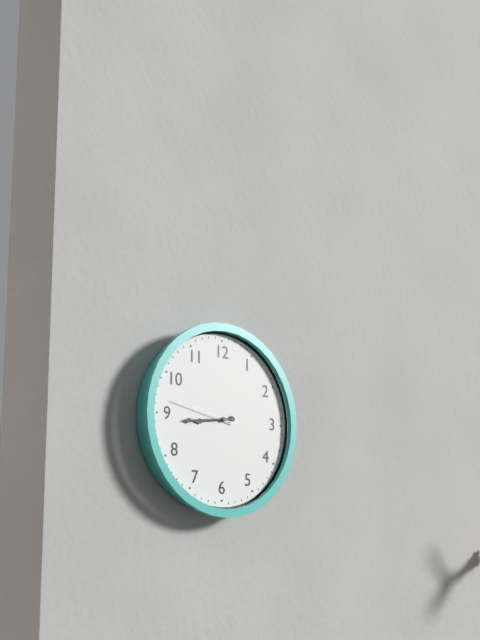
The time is **8:44:47**
